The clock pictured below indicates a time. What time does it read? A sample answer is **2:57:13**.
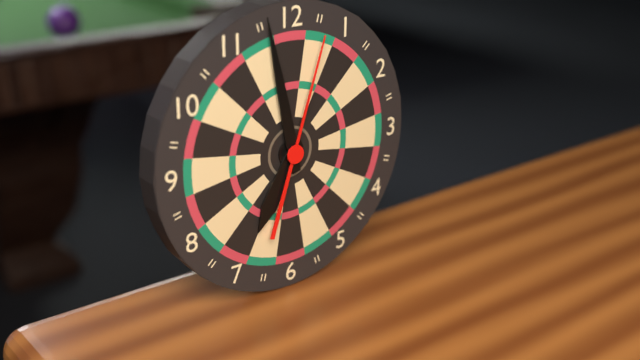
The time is **6:58:03**
